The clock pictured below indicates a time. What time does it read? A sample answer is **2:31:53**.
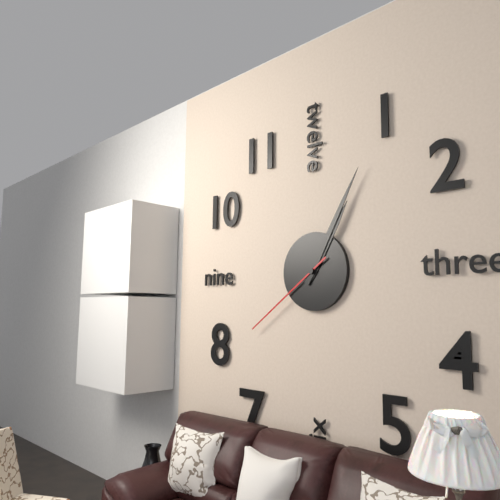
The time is **1:05:39**
